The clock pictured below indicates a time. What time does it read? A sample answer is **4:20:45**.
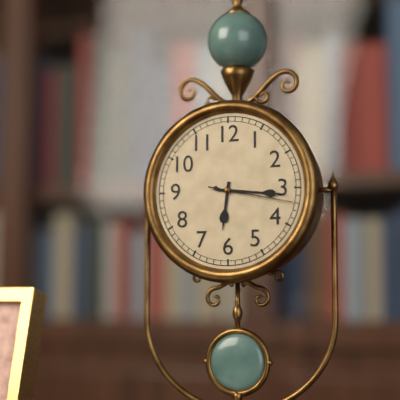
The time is **6:16:17**
